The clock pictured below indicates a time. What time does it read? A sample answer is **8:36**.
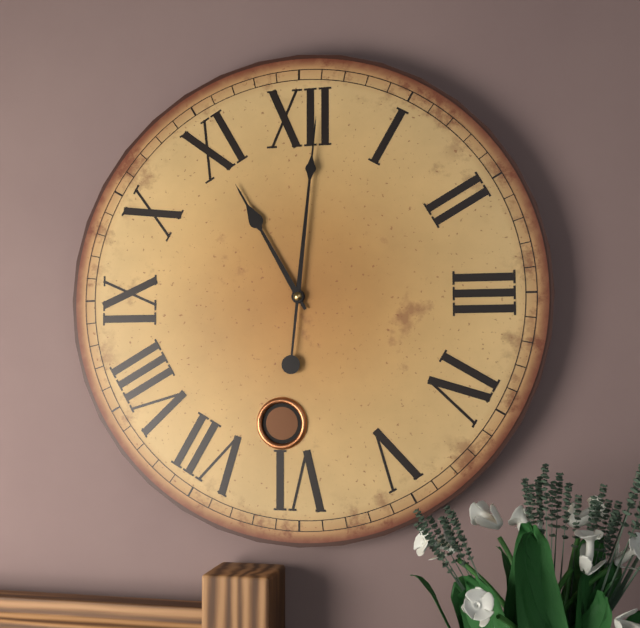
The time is **11:01**
